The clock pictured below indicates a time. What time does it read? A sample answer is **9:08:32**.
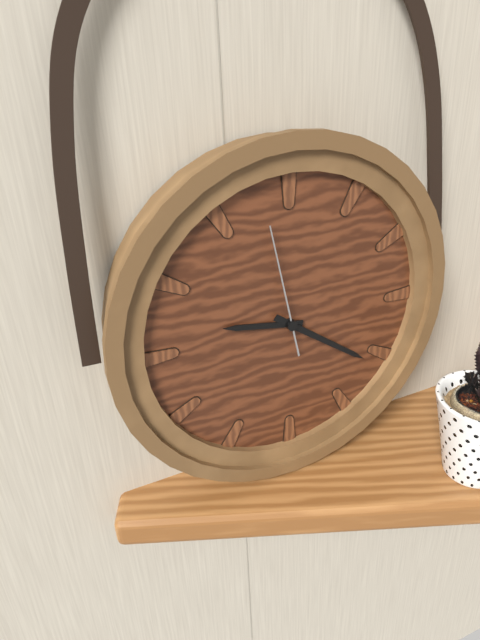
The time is **9:21:58**
